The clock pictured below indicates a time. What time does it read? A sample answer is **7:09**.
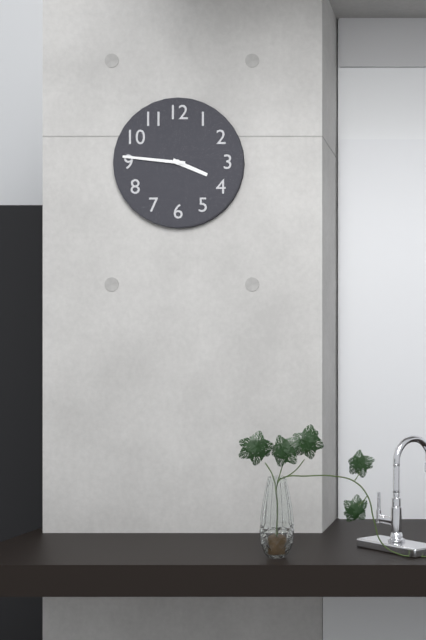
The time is **3:46**
